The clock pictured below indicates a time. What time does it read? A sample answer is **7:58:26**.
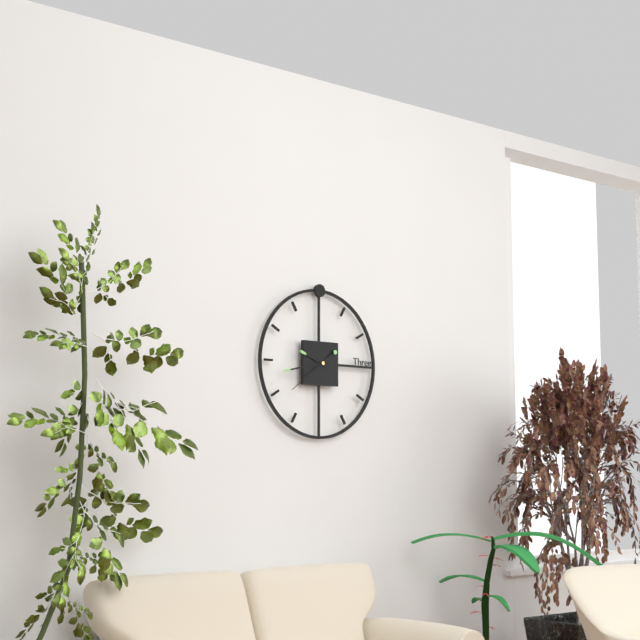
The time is **9:43:39**
